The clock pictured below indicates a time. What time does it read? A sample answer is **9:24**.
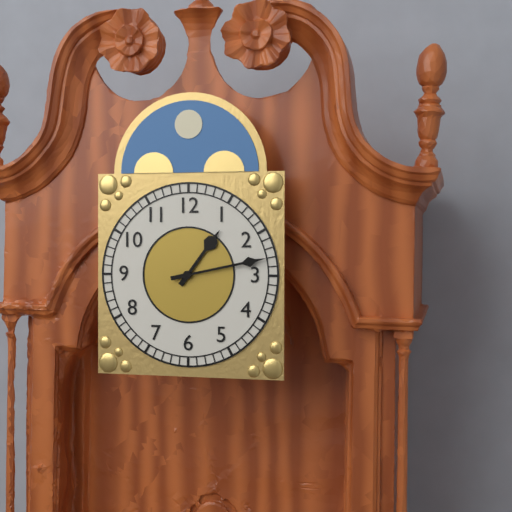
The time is **1:13**
